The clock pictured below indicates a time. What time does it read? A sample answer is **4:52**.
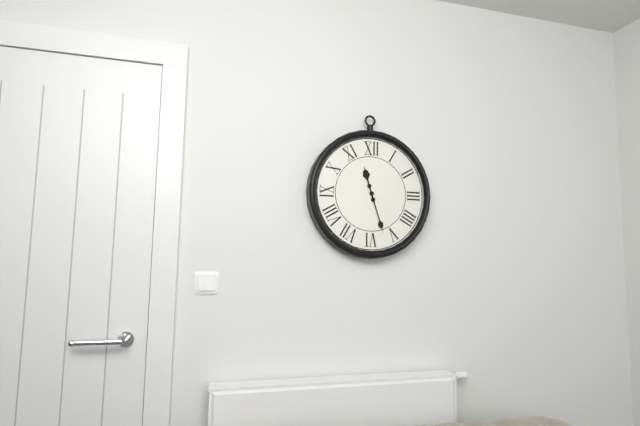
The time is **11:27**
